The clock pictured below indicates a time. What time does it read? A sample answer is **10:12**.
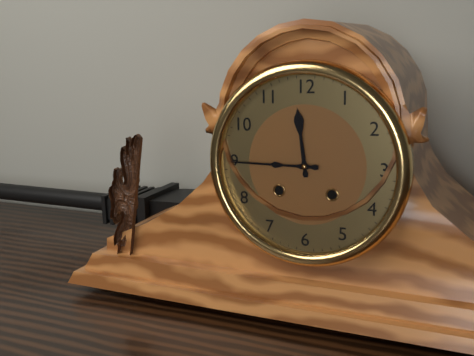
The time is **11:45**
